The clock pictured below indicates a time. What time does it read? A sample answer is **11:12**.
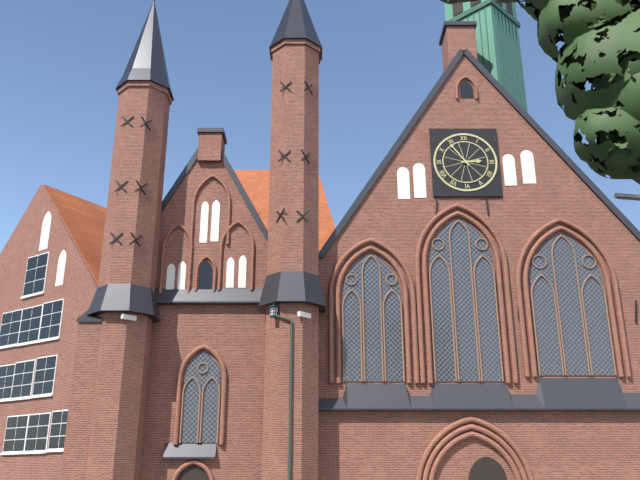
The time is **2:54**
